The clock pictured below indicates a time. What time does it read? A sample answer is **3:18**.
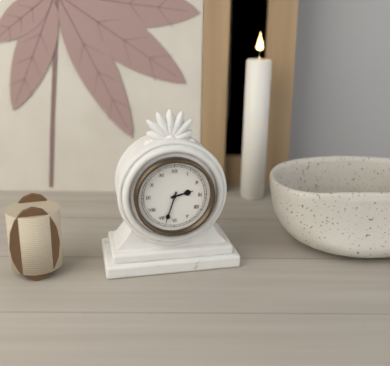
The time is **2:33**
